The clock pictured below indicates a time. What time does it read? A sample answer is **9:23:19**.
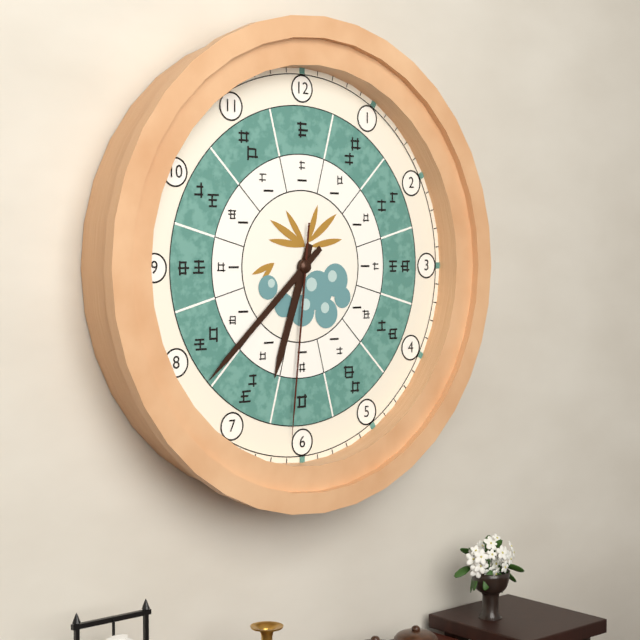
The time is **6:38:31**
